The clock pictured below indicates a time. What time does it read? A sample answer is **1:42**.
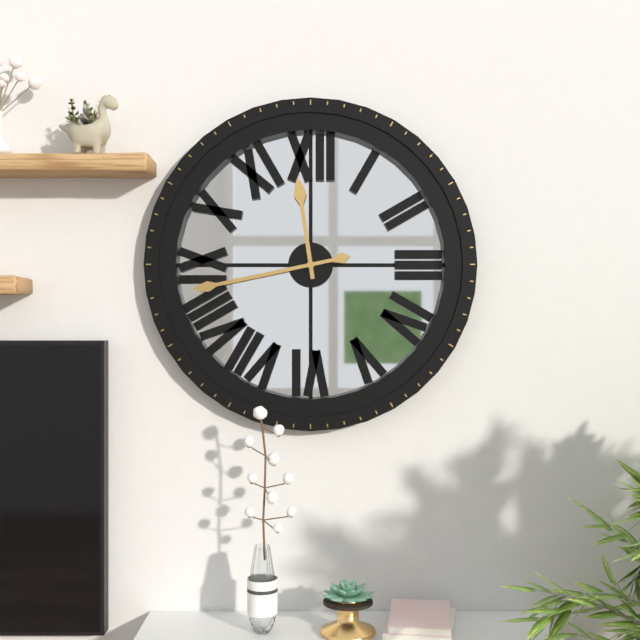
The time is **11:43**
